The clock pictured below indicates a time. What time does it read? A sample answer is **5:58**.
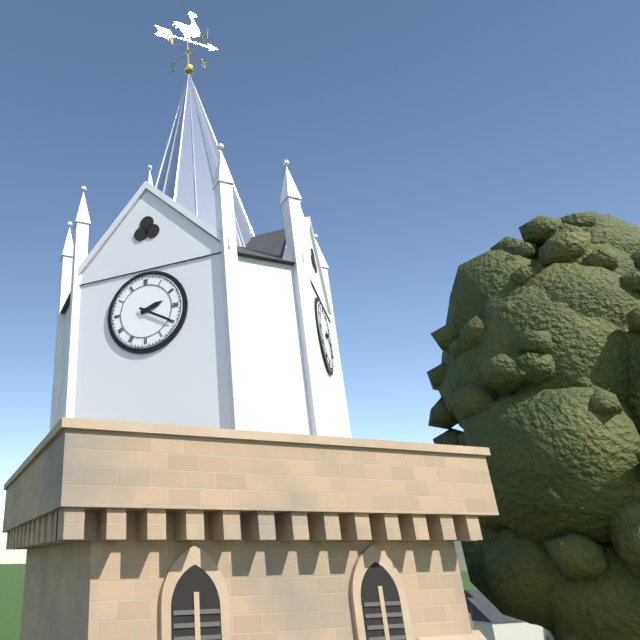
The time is **2:20**
